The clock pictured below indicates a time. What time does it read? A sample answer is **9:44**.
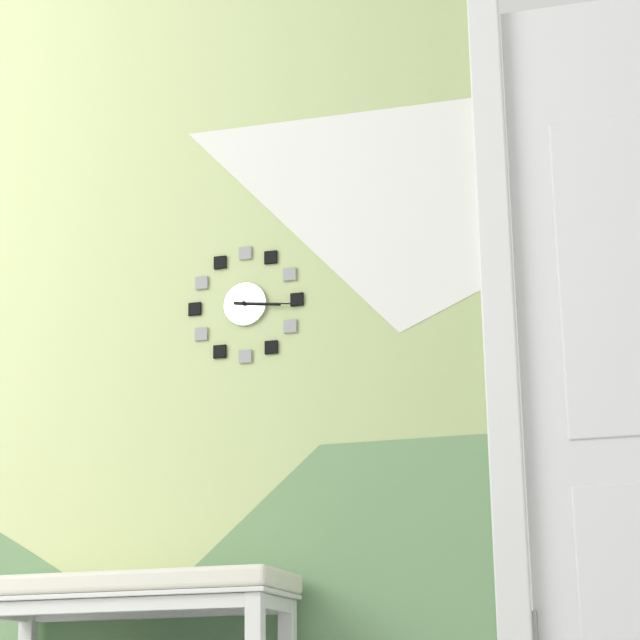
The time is **3:16**
